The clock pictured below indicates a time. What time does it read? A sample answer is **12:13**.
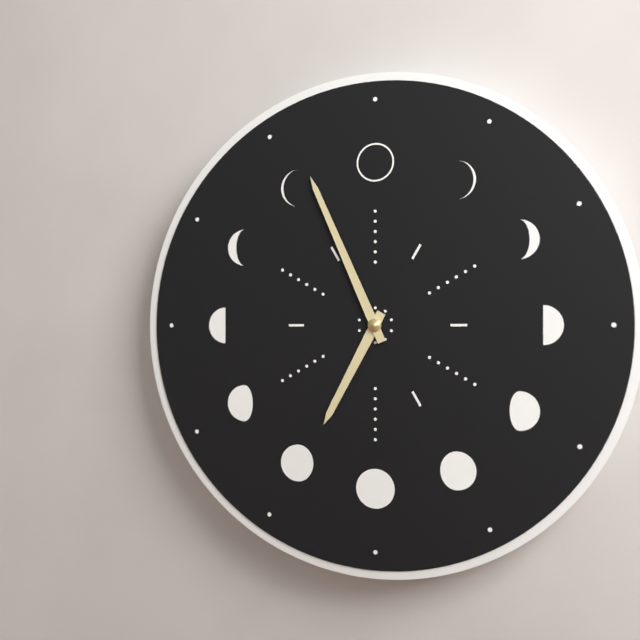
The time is **6:56**
